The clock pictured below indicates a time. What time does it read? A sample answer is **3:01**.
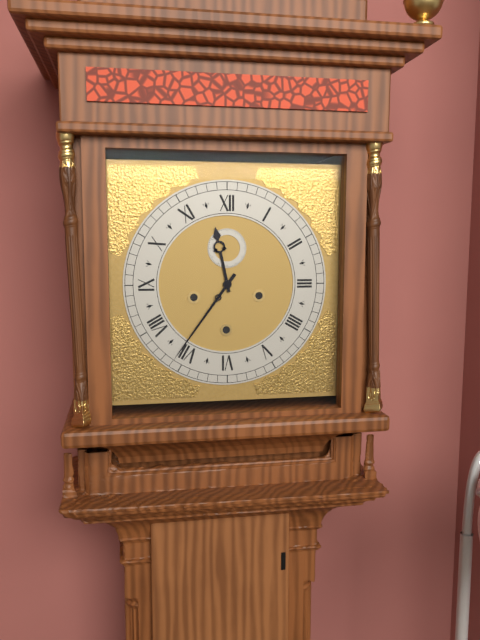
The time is **11:36**
